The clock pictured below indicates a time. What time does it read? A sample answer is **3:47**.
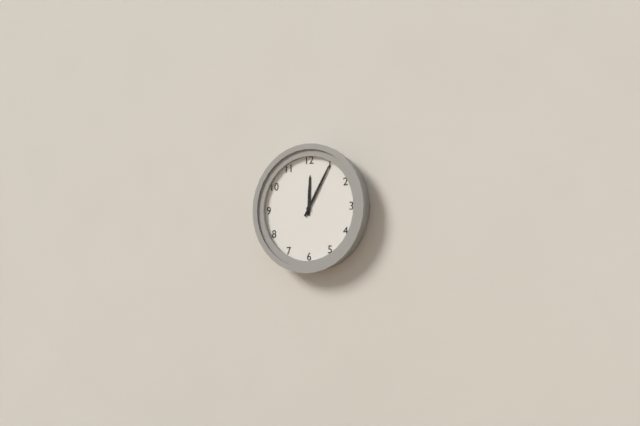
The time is **12:05**
